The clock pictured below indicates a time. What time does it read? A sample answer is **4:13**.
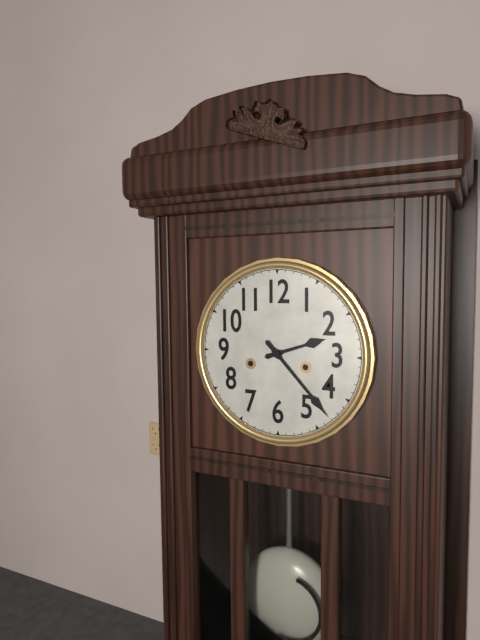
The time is **2:23**
